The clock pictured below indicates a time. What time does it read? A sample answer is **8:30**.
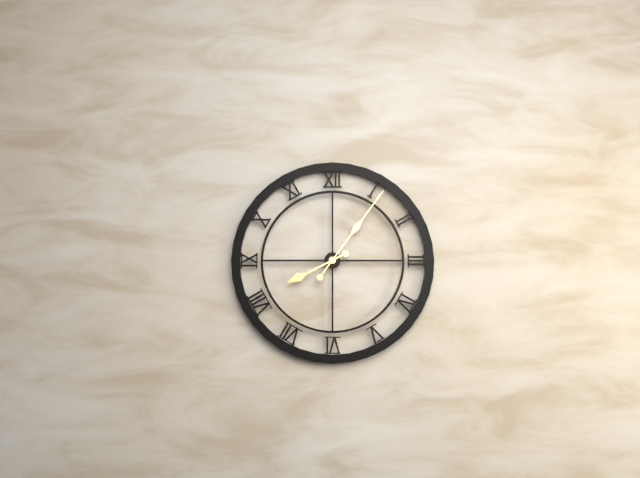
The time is **8:06**
